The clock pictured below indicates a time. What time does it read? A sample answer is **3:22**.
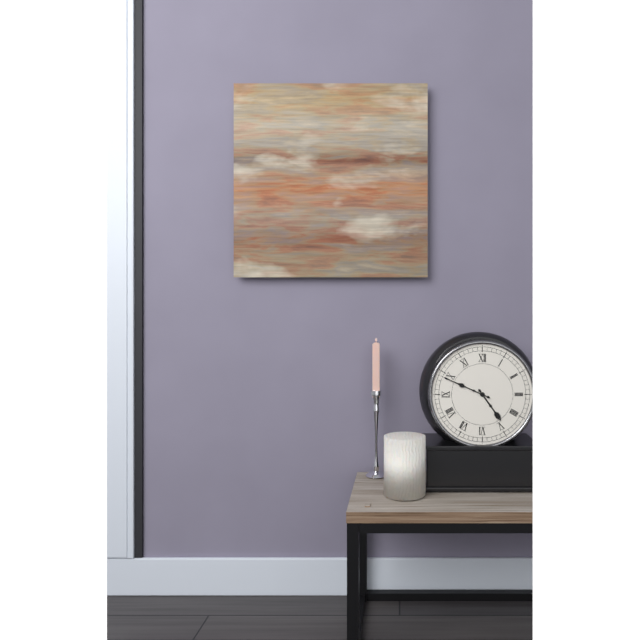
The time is **4:49**
